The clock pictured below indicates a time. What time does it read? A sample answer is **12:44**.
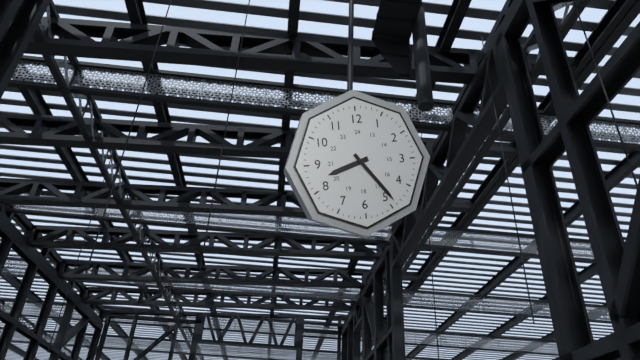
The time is **8:24**
